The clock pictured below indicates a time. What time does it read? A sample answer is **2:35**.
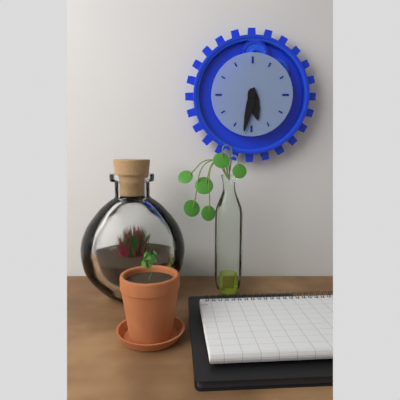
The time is **5:32**
